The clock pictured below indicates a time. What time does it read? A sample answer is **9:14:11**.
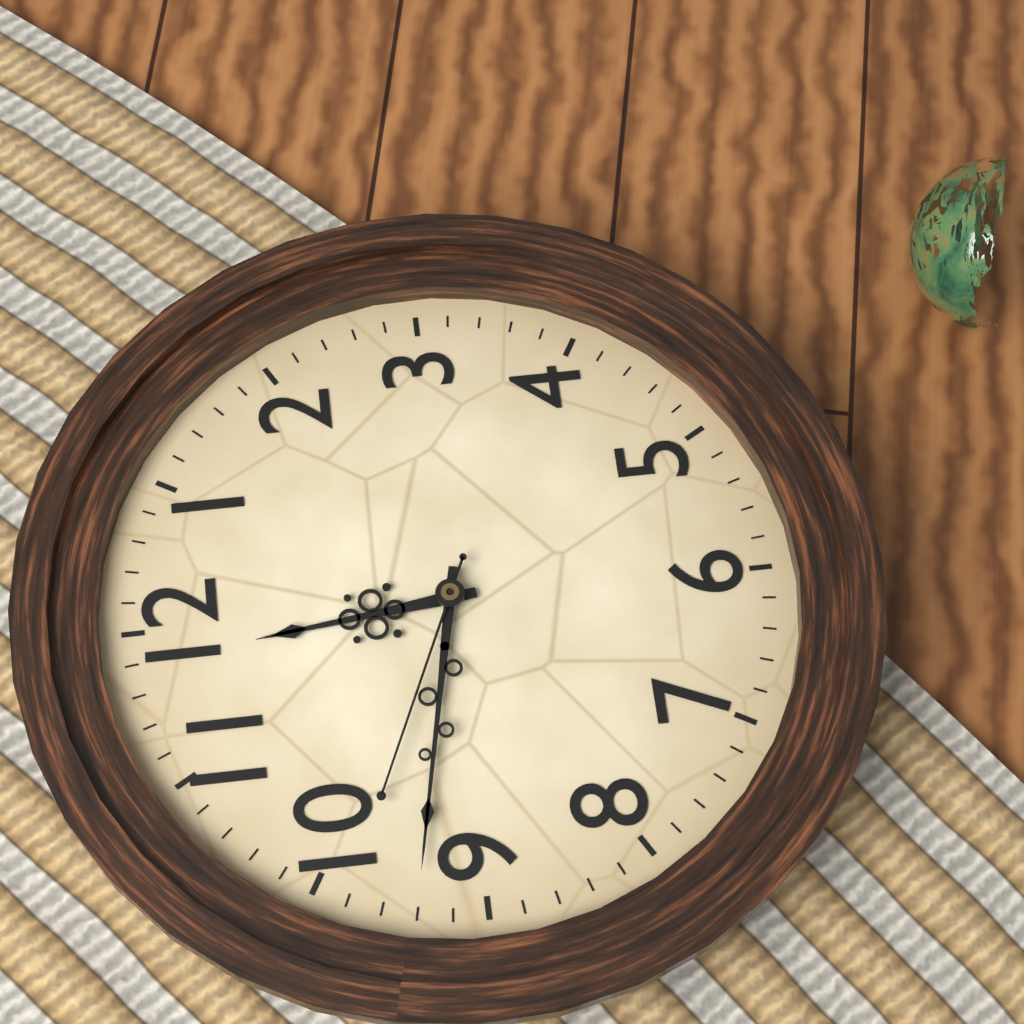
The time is **11:47:49**
